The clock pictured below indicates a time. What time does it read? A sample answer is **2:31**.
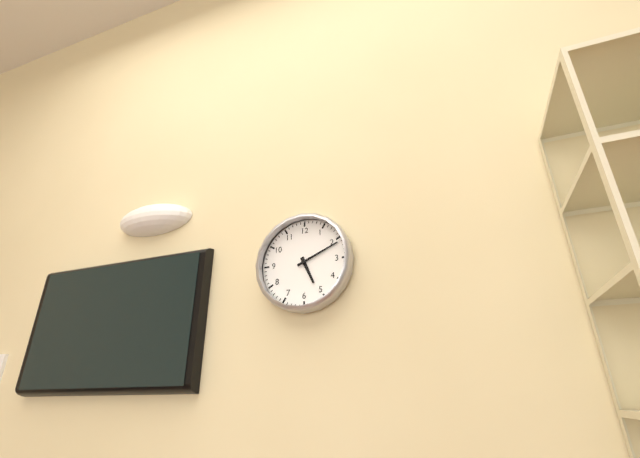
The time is **5:11**
